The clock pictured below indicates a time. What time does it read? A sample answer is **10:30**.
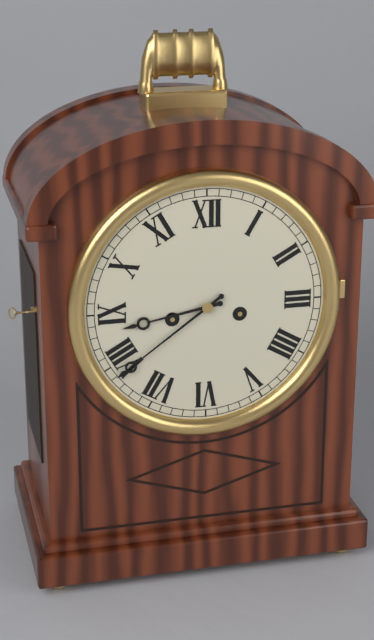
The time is **8:39**
